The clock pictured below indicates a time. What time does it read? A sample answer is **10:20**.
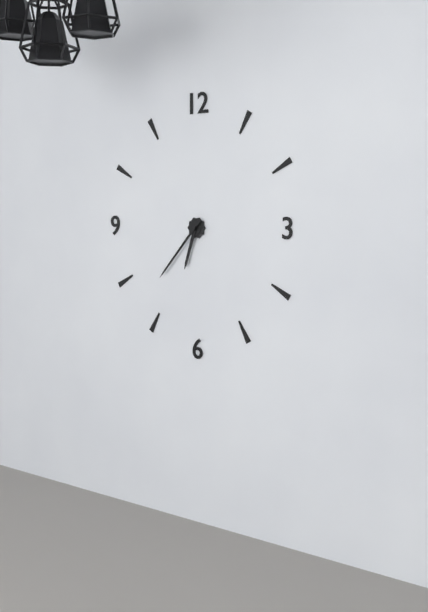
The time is **6:37**
